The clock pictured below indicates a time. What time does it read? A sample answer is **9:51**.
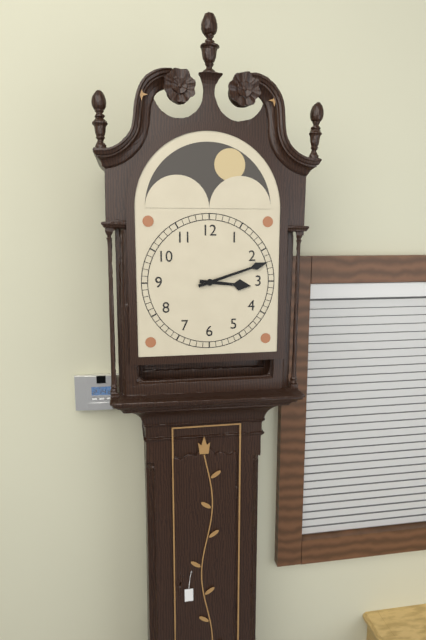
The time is **3:12**
